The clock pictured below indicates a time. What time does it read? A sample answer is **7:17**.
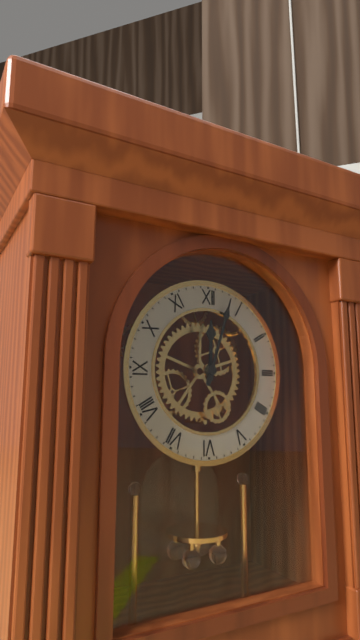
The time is **12:03**
